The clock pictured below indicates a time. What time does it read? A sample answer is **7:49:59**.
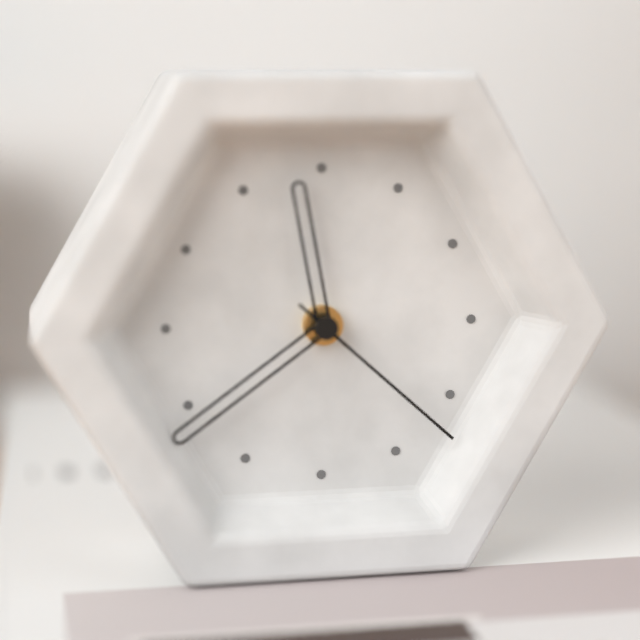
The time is **11:39:22**
